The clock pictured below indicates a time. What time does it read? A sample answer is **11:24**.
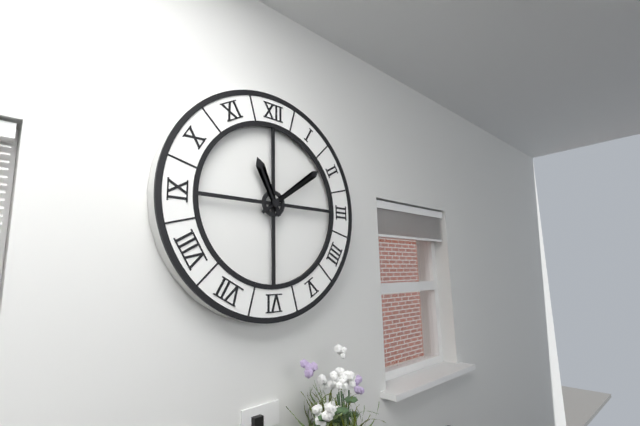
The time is **11:09**
